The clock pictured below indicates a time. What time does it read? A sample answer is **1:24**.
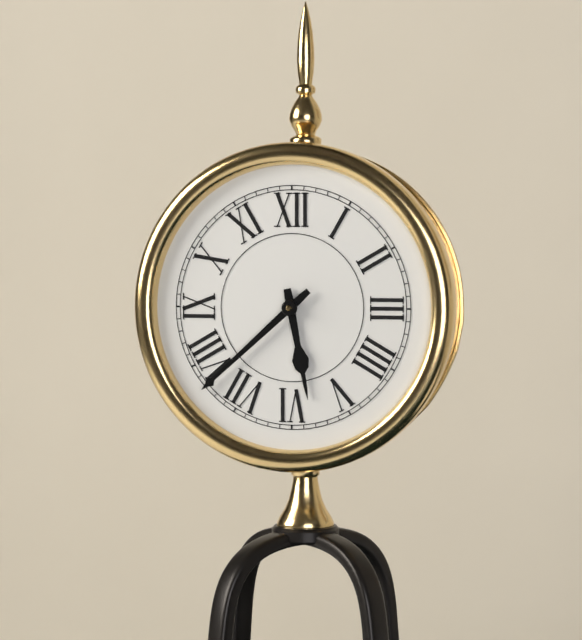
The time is **5:38**
